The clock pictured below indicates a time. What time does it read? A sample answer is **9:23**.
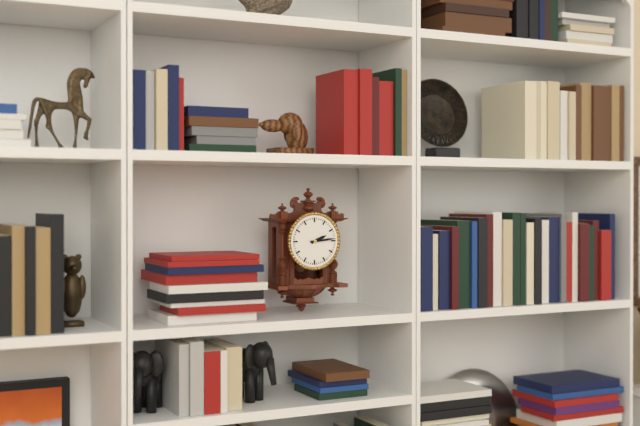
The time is **2:14**
